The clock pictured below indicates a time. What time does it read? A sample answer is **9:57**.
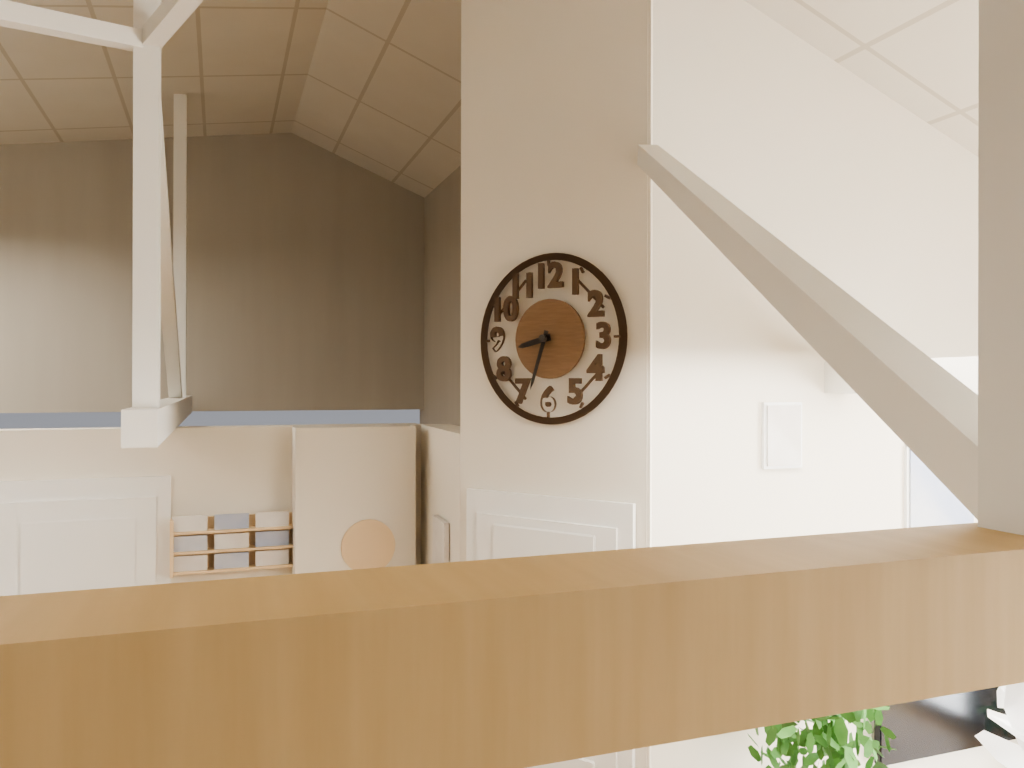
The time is **8:33**
